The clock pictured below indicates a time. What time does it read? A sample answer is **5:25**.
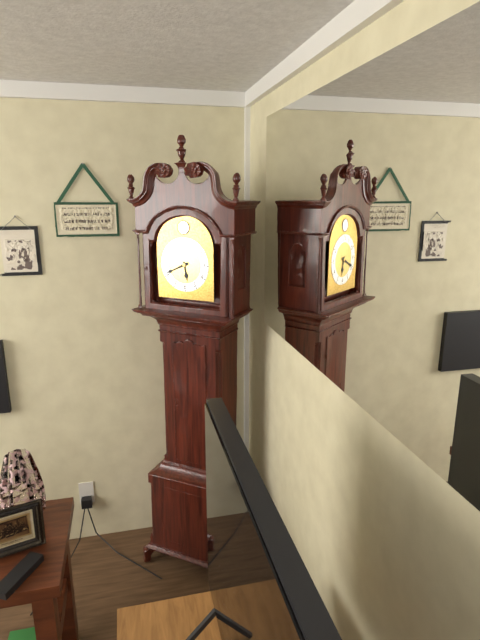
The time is **5:41**
